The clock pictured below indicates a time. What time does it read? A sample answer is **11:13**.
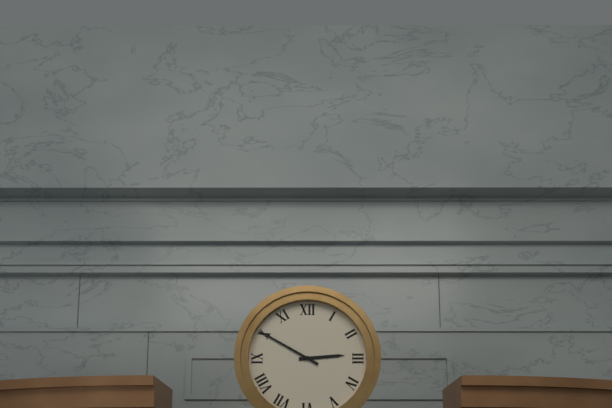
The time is **2:50**
